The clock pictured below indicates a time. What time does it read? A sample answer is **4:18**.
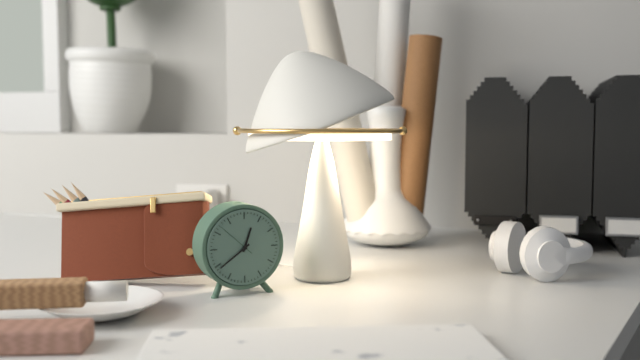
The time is **12:39**
